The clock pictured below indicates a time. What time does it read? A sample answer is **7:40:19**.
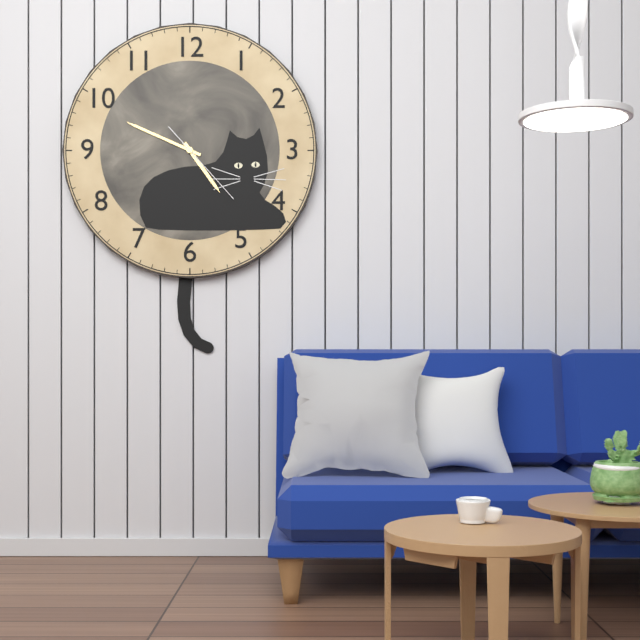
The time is **4:49:23**
